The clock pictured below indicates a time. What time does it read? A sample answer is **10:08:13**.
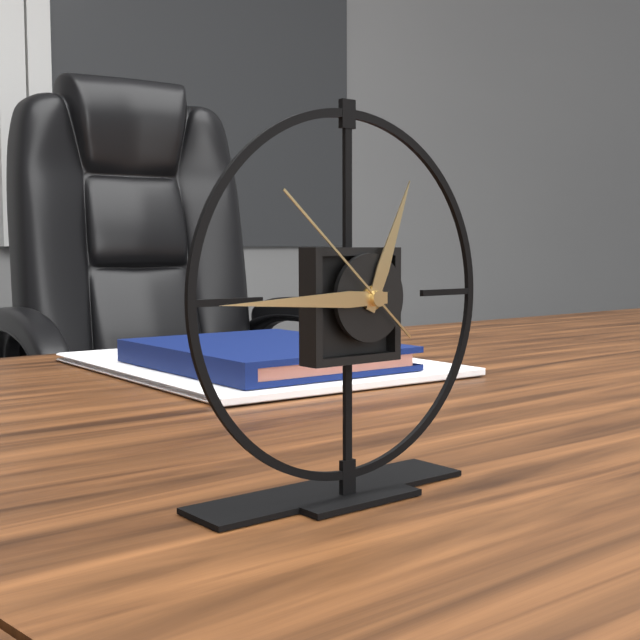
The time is **12:45:52**
